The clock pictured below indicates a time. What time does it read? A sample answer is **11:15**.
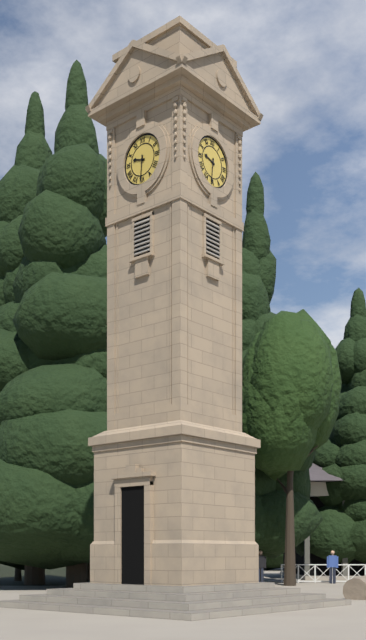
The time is **9:31**
